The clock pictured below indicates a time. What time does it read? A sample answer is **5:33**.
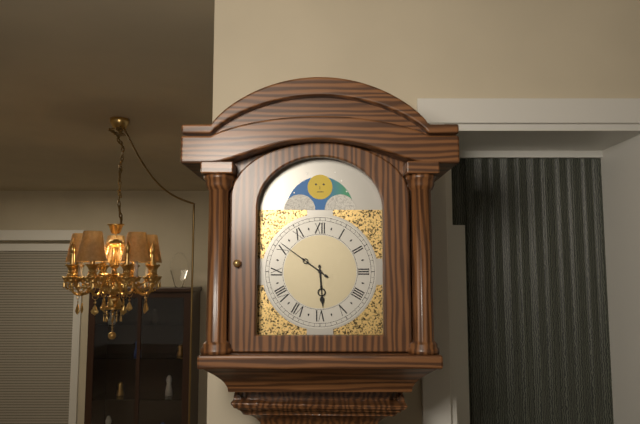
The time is **5:51**
